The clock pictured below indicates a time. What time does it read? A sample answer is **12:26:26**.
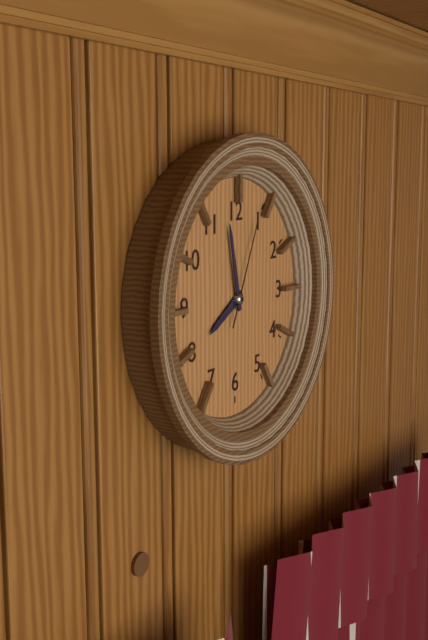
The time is **7:58:04**
